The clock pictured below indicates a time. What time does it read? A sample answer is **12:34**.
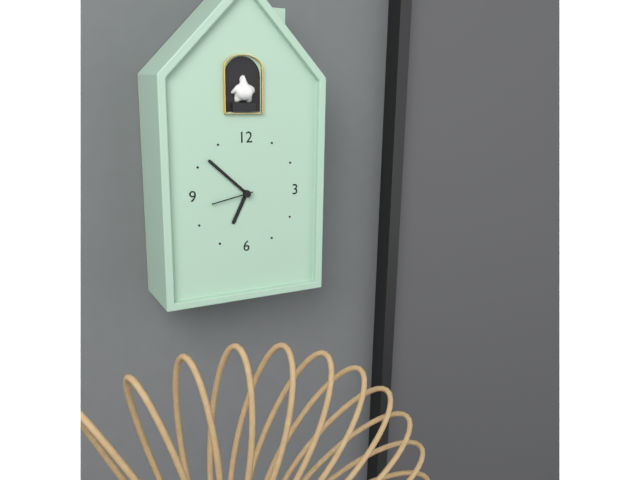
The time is **6:52**
